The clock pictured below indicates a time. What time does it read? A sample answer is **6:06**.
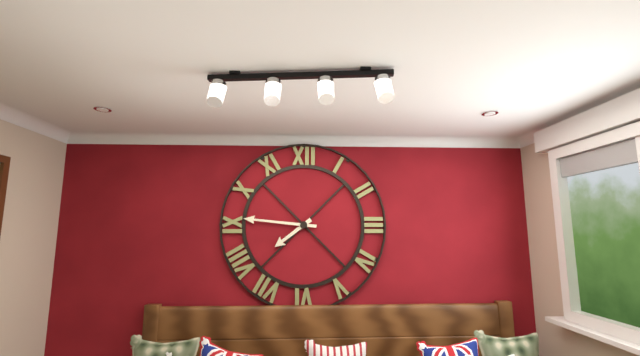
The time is **7:46**
